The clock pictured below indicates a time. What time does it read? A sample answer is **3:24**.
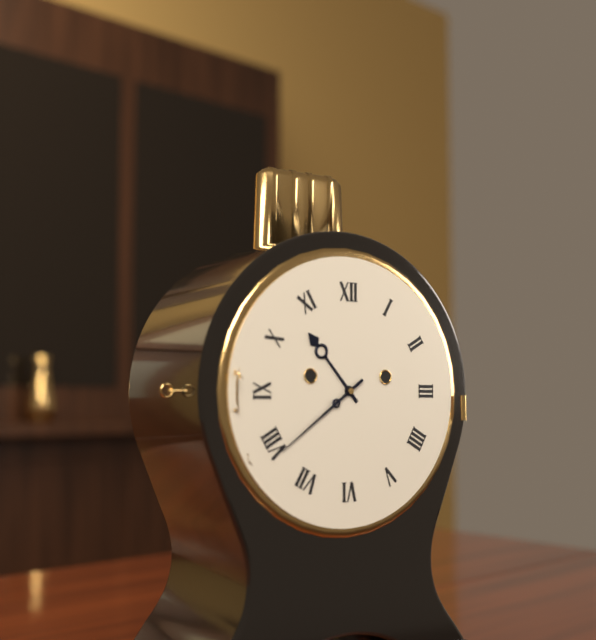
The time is **10:39**
